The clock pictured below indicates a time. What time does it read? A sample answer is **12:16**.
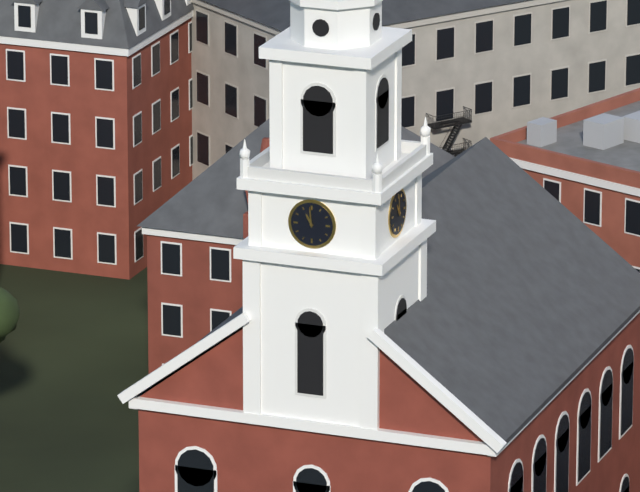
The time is **10:59**
